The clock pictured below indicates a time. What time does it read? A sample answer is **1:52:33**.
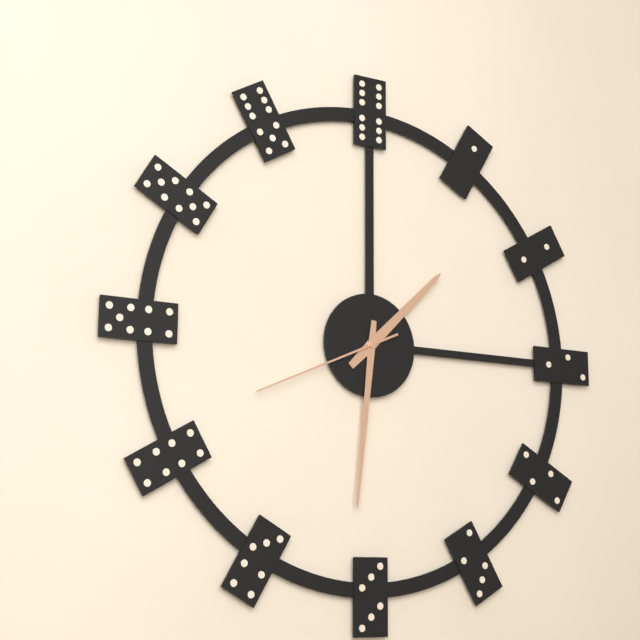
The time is **1:31:41**
